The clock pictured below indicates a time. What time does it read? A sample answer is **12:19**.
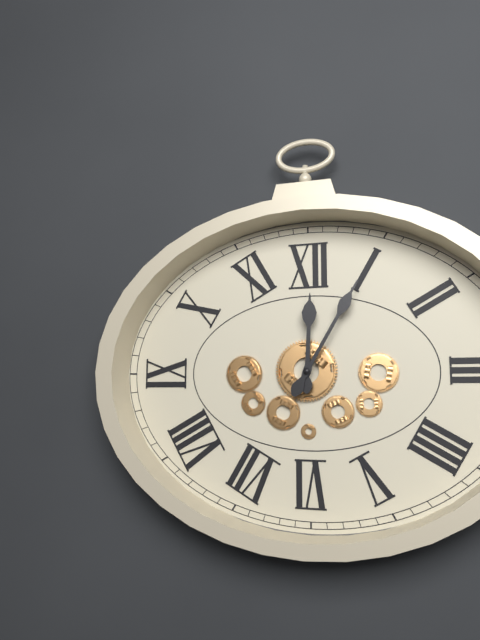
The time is **12:05**
